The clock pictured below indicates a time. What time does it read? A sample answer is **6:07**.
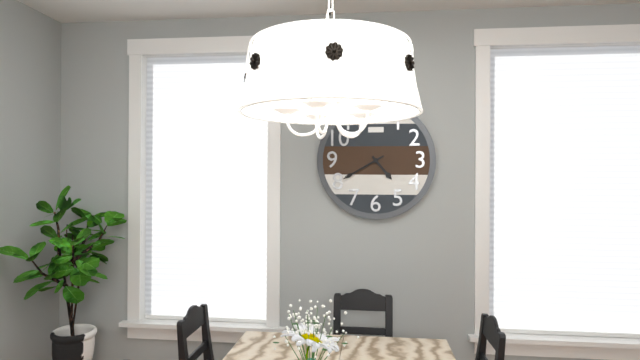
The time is **4:40**
